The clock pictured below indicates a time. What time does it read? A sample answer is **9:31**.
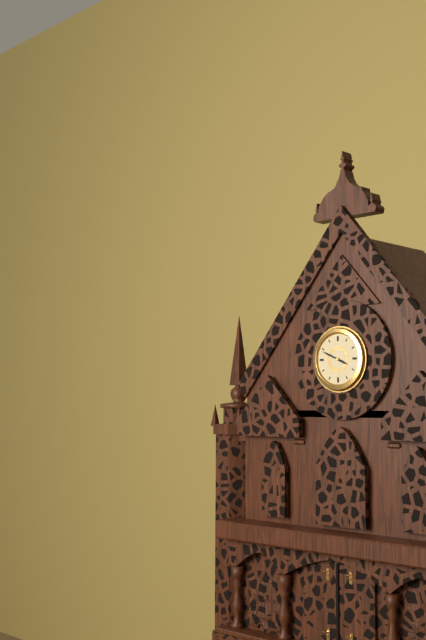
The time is **3:49**
